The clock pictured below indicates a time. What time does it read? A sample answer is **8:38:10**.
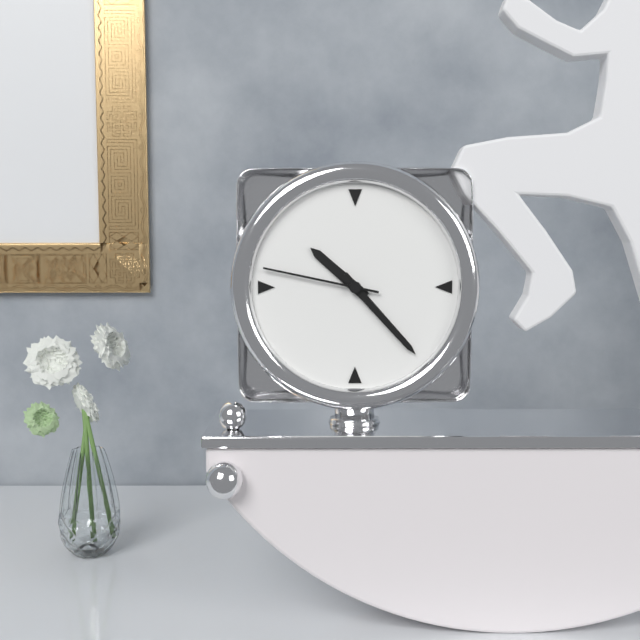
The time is **10:23:47**
